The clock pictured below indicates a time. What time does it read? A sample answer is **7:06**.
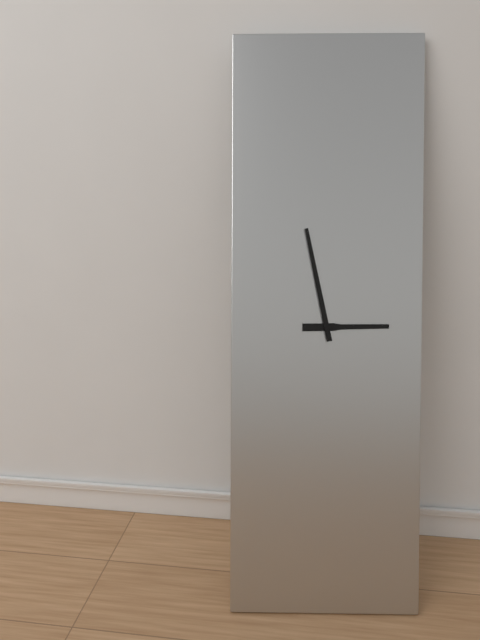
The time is **2:58**
